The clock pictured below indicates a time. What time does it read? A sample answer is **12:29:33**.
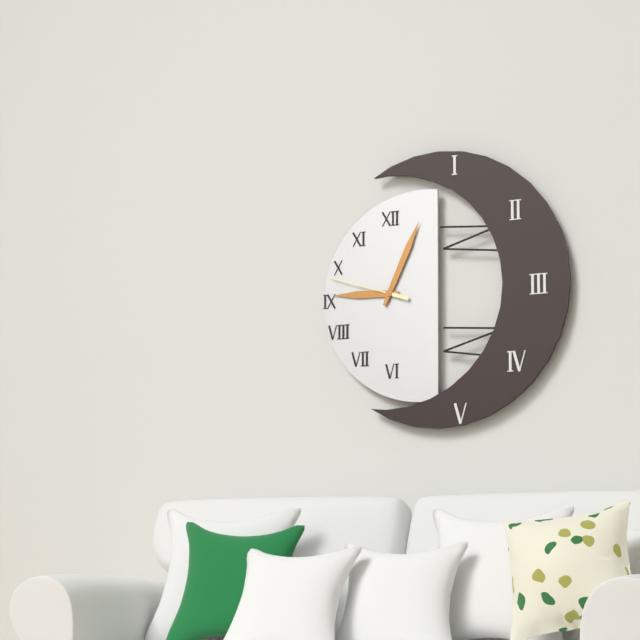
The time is **9:04:48**
